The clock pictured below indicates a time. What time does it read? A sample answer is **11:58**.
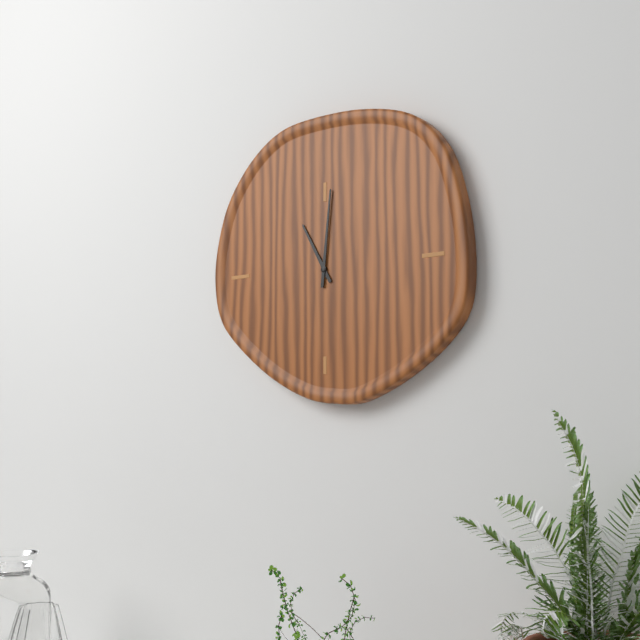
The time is **11:01**
